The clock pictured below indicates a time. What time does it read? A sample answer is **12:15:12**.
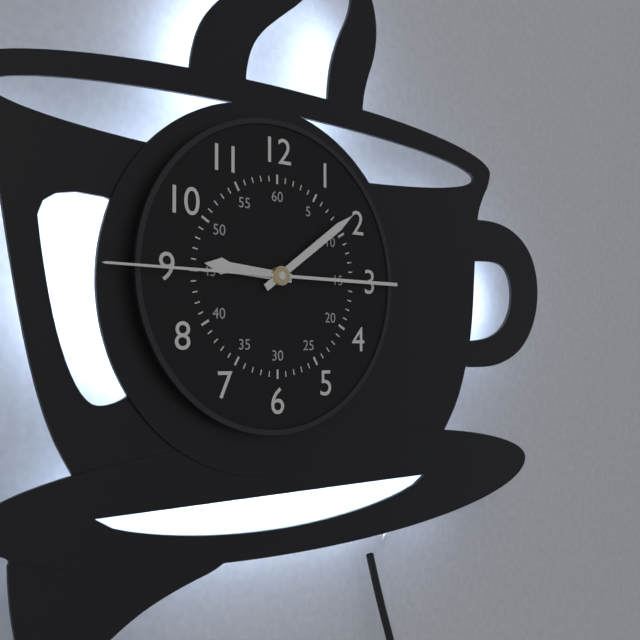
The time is **9:09:45**
